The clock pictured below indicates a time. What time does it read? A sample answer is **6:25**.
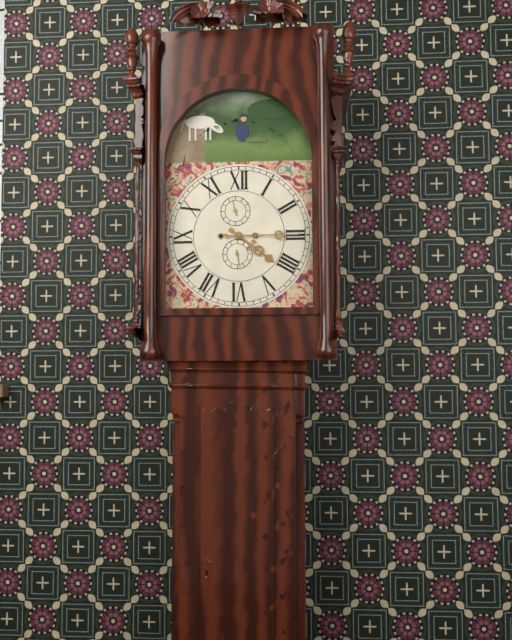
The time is **4:15**
